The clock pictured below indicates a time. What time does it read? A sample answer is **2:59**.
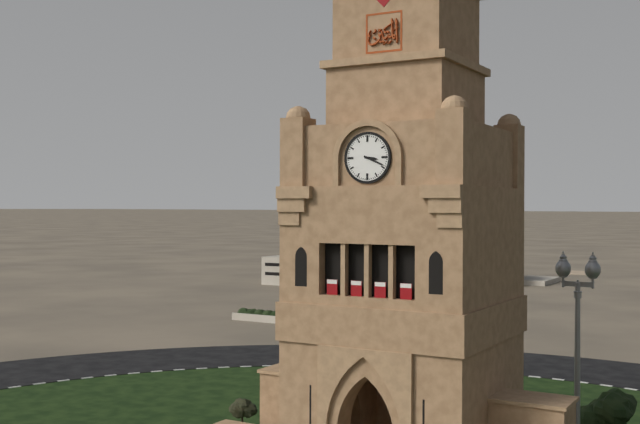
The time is **3:19**
